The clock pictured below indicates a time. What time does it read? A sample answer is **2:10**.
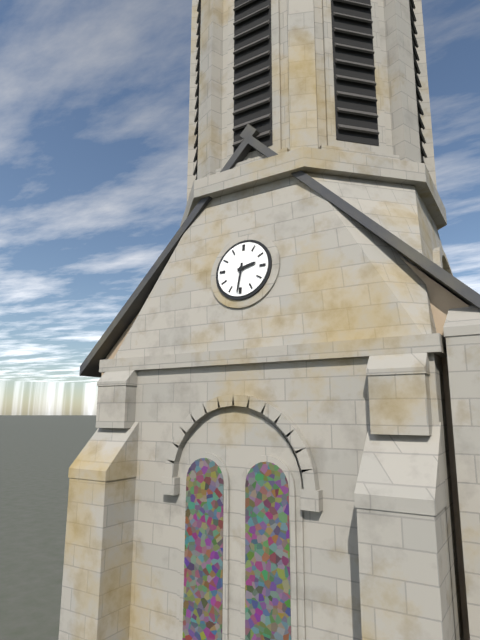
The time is **2:31**
